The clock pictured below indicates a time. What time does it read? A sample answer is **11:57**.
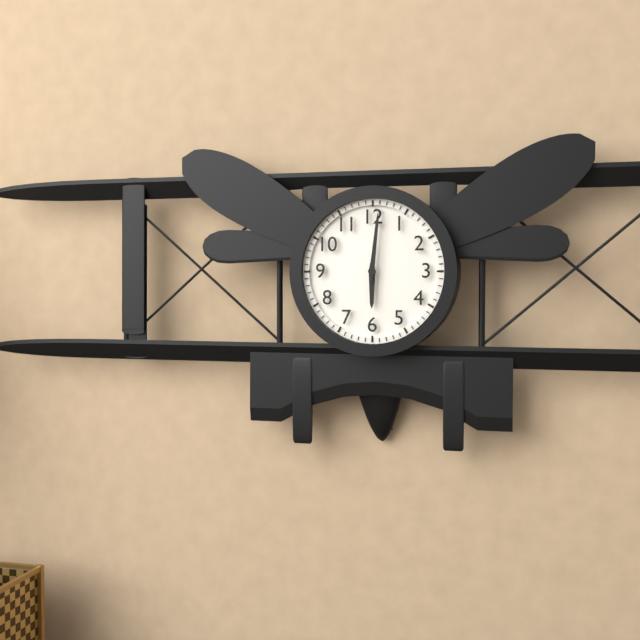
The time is **6:01**
